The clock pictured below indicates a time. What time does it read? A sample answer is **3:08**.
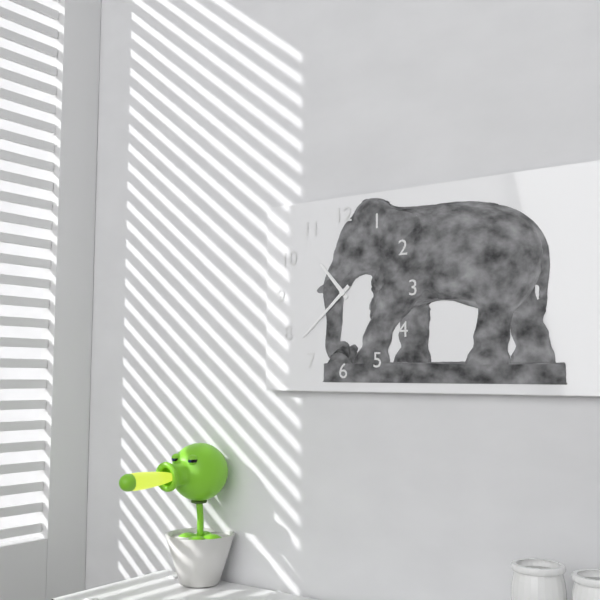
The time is **10:38**
